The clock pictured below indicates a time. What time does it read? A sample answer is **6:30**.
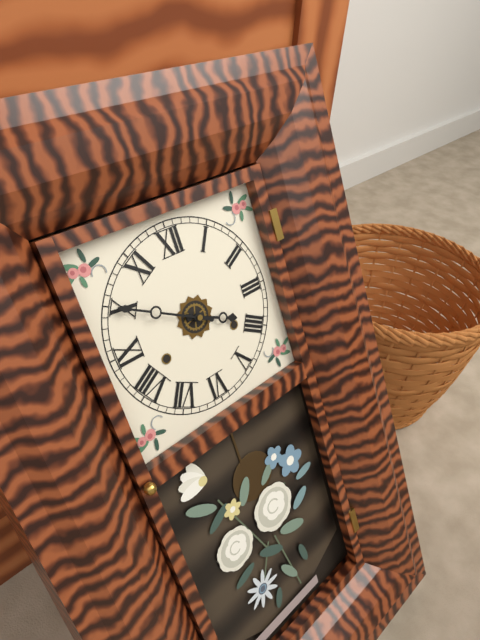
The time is **3:50**
